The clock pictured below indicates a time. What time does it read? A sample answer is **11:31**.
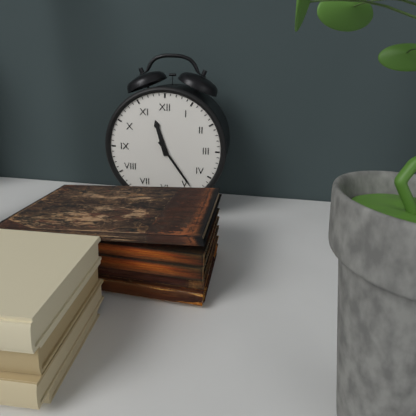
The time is **11:24**
